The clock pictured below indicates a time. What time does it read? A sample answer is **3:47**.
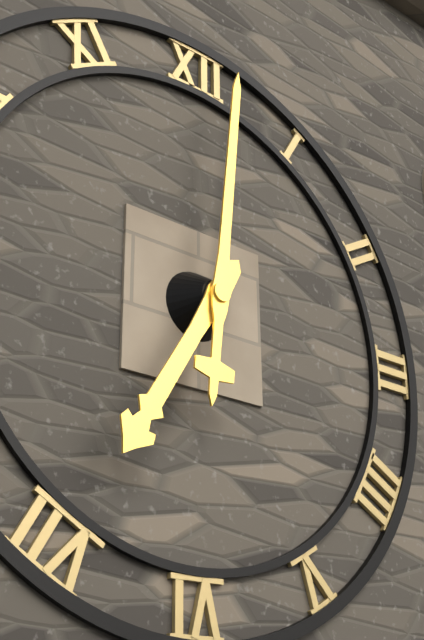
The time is **7:01**
